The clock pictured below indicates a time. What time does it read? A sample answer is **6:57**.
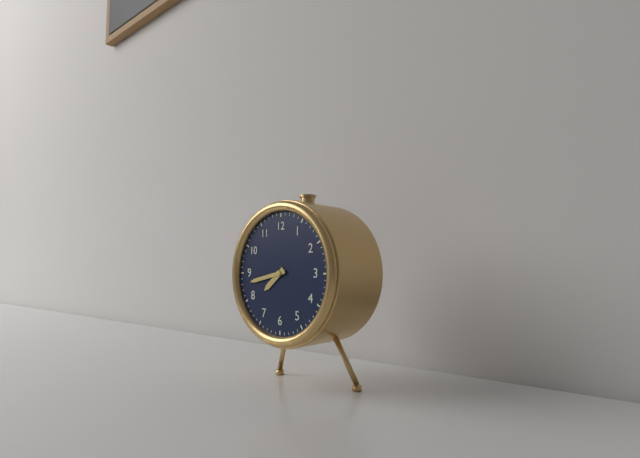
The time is **7:43**
